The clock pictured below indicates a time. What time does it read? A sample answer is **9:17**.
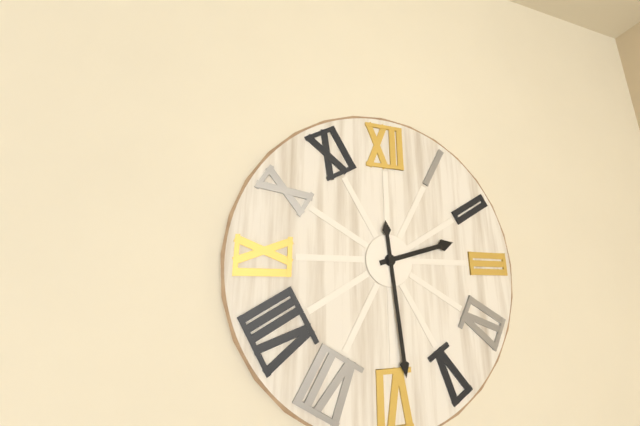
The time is **2:29**
